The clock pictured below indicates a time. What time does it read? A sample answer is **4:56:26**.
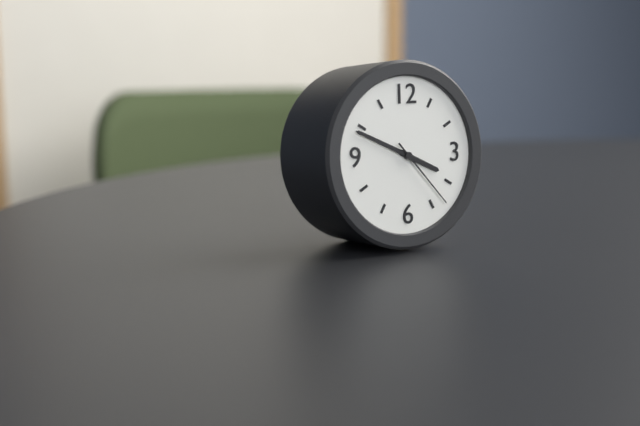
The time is **3:49:23**
